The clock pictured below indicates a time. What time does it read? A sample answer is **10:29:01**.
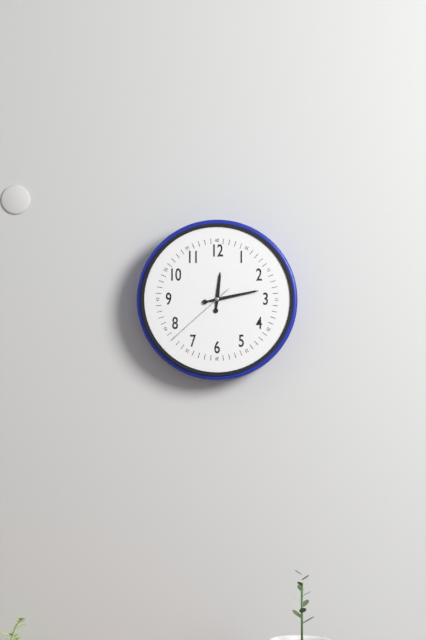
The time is **12:13:38**
